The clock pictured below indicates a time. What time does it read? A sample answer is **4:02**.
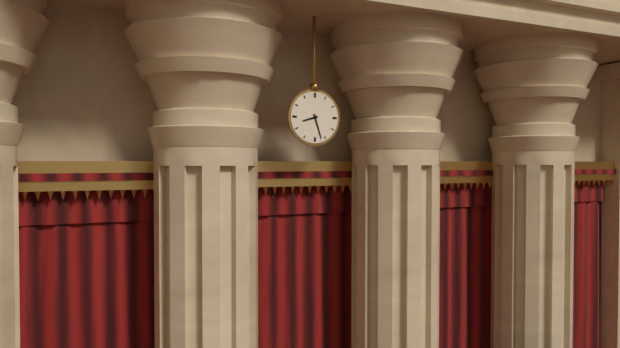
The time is **8:27**
